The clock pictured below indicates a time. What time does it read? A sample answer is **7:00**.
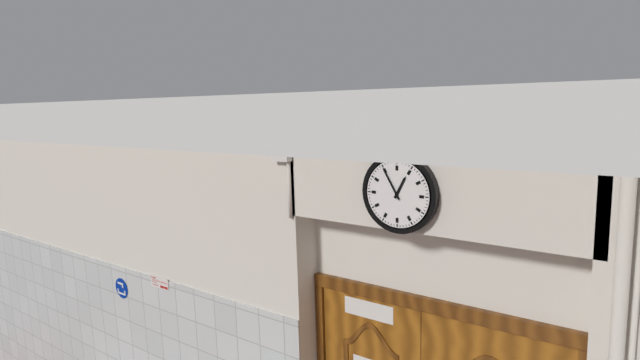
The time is **12:55**
